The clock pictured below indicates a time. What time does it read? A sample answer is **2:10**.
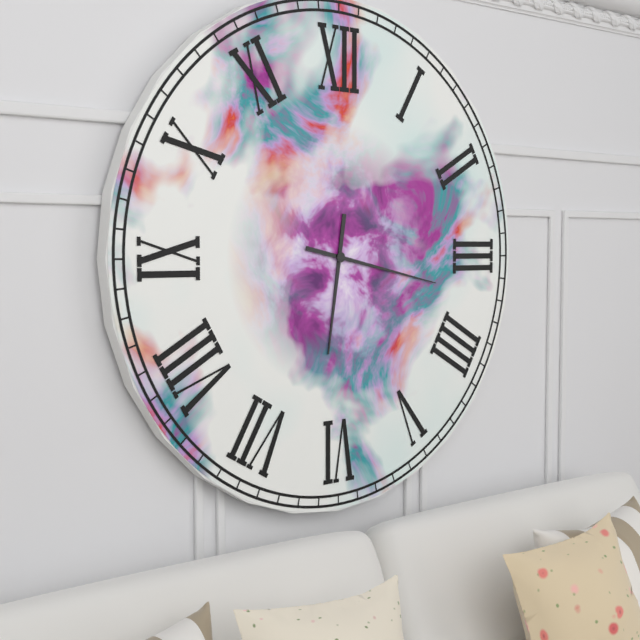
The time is **6:17**
